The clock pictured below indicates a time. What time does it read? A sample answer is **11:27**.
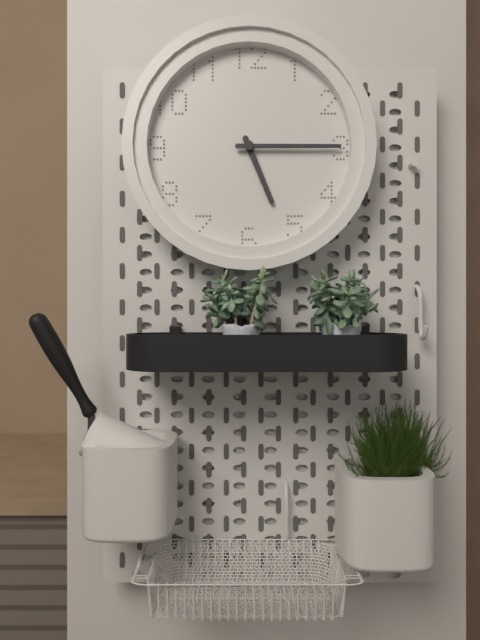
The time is **5:15**
